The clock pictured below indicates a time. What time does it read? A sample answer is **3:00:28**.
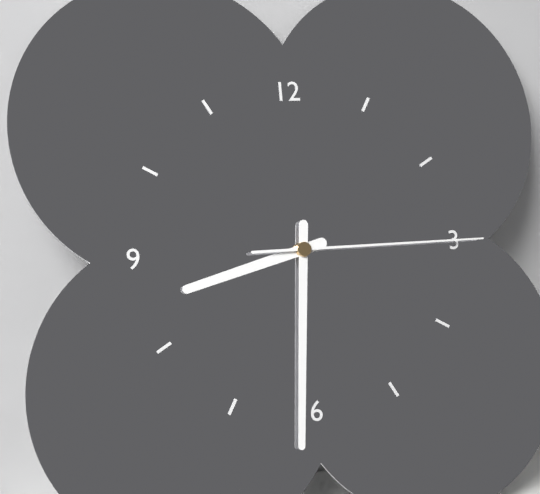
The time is **8:31:15**
